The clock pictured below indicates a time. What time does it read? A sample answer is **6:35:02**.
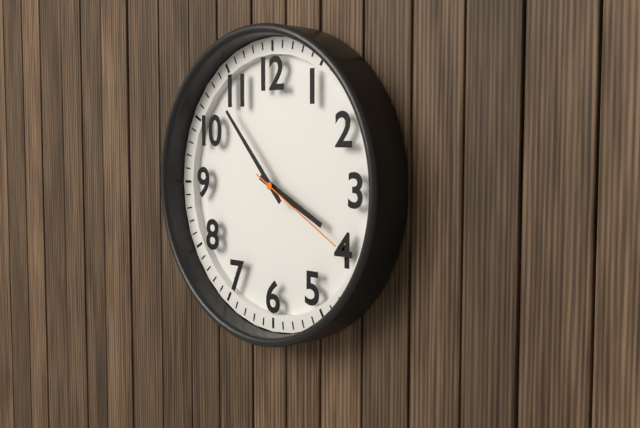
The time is **3:53:20**
